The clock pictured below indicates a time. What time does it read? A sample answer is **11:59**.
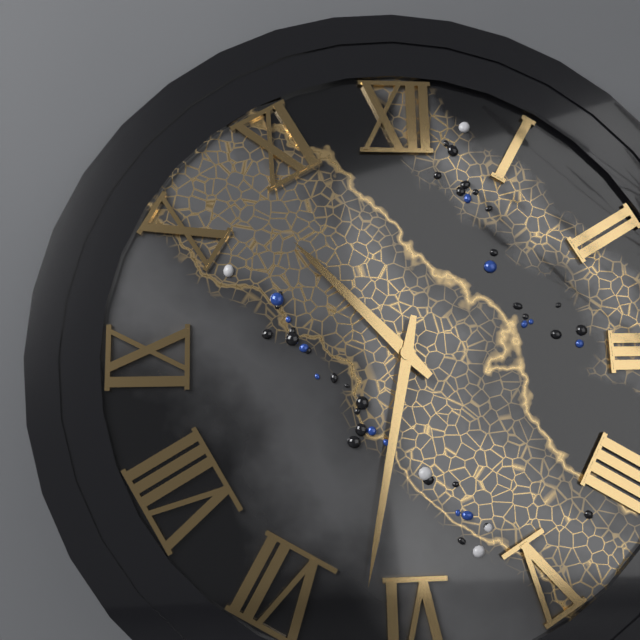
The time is **10:32**
